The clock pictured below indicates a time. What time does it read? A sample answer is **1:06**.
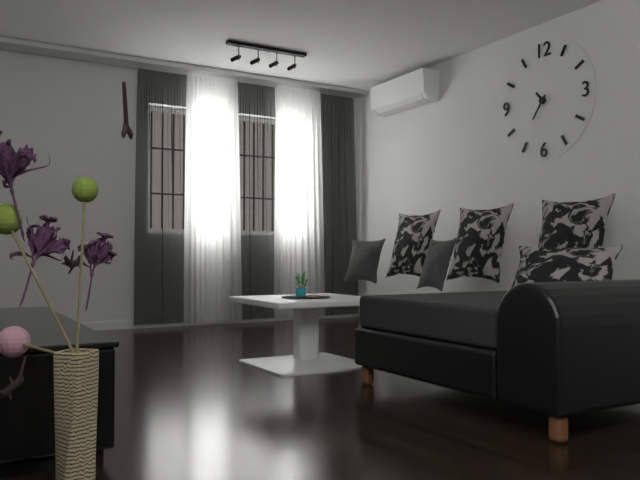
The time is **10:36**
